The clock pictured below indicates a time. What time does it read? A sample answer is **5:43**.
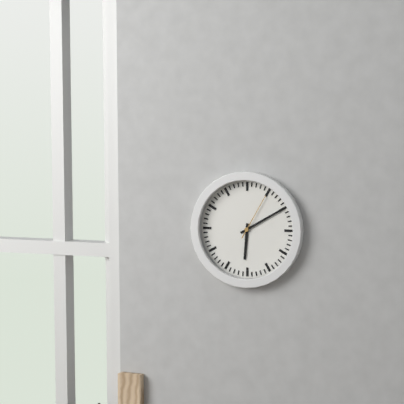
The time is **6:10**
